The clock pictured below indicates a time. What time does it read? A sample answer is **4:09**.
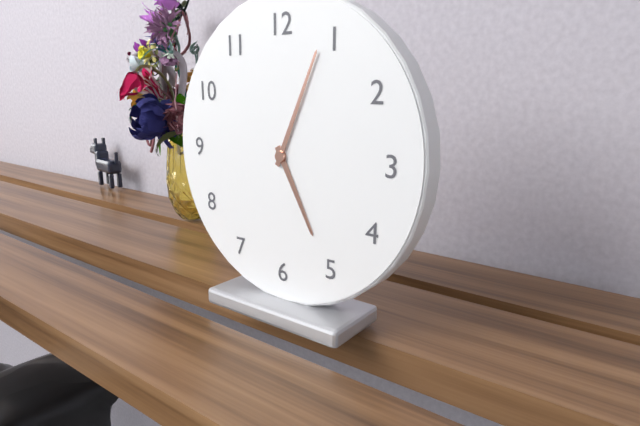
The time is **5:04**
